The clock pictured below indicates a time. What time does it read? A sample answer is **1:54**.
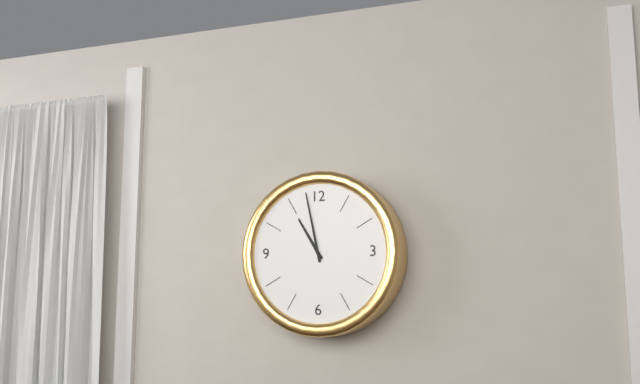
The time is **10:58**
